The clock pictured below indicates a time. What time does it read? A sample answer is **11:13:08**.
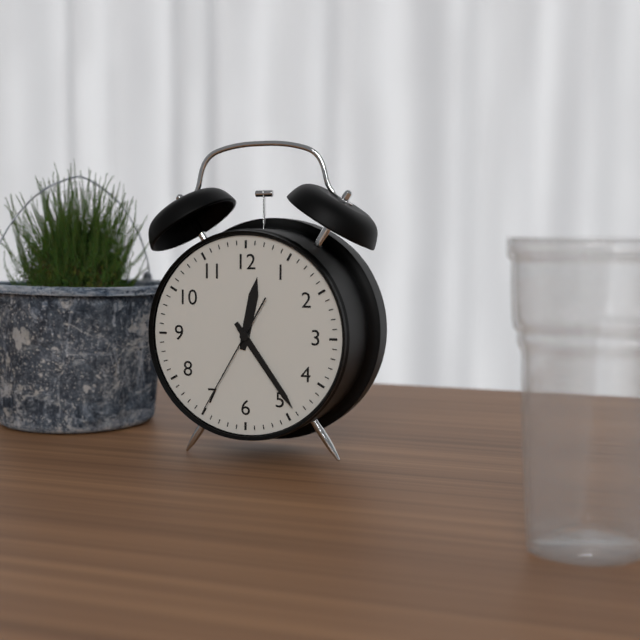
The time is **12:24:35**
